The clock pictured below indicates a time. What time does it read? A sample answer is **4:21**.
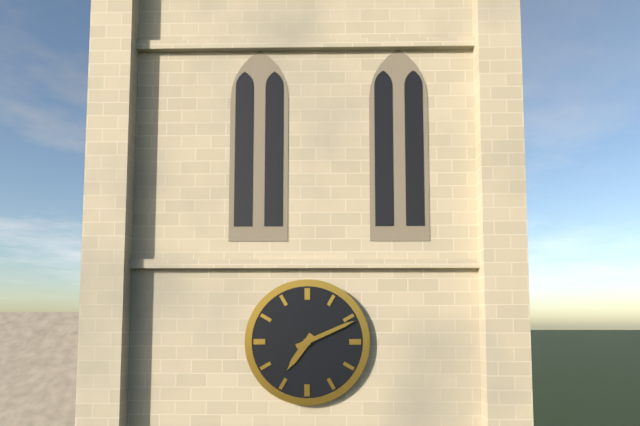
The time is **7:11**
